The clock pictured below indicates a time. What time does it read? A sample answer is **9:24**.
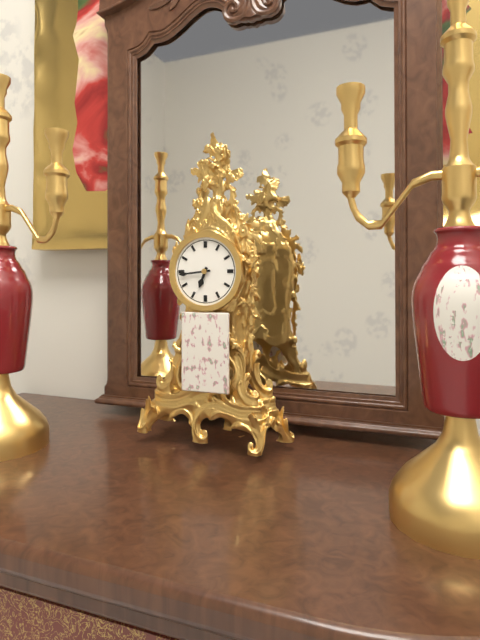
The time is **6:44**
